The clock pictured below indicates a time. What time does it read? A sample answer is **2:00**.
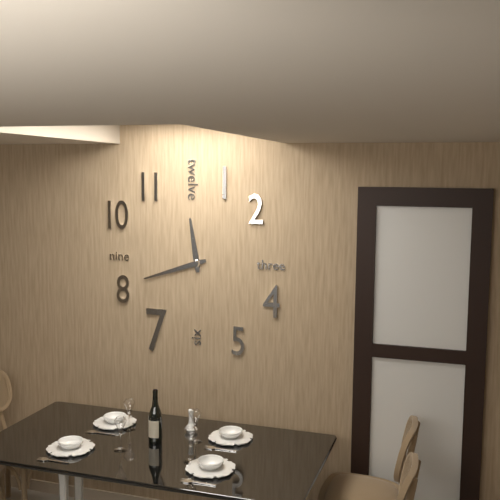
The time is **11:42**
